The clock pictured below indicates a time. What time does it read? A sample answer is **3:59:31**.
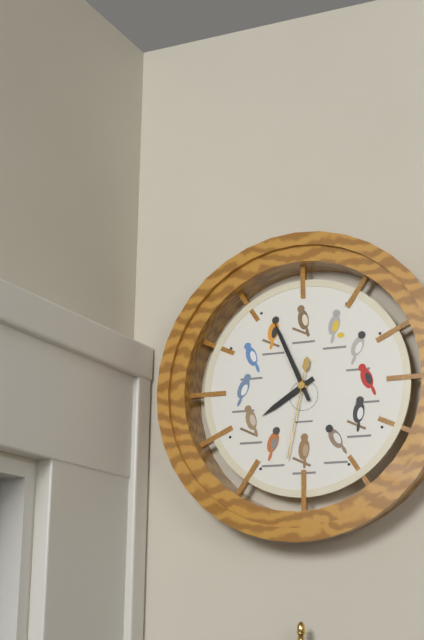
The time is **7:56:32**
